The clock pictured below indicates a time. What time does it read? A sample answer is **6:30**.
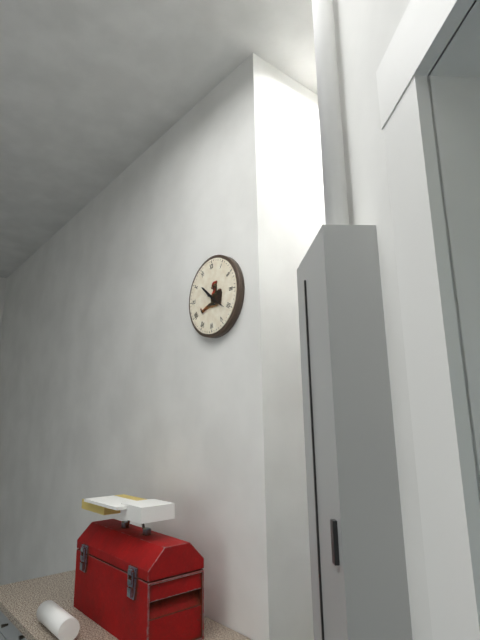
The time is **10:21**
